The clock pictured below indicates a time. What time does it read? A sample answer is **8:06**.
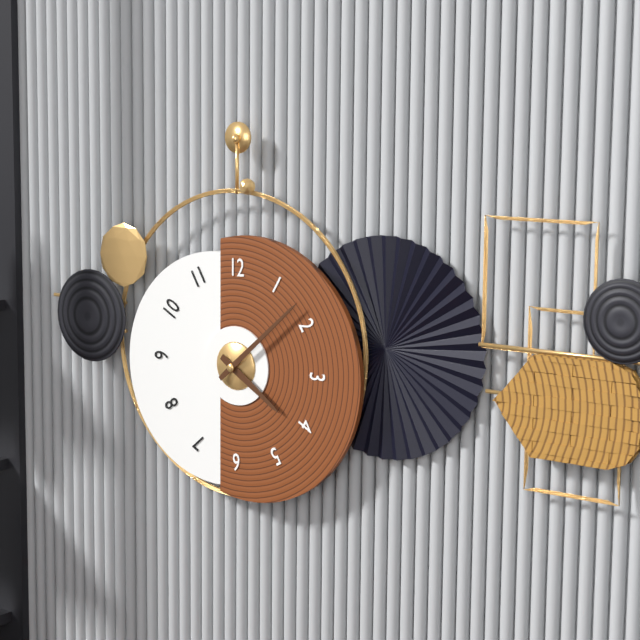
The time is **4:08**
